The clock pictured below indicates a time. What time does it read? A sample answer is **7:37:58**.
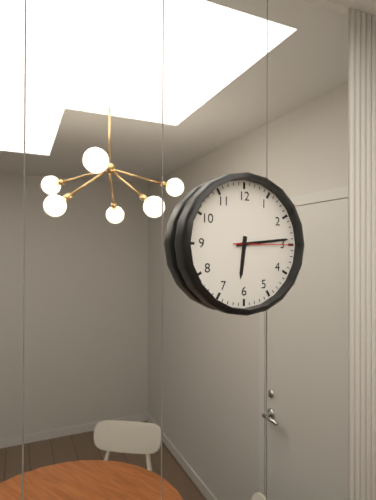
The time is **6:14:15**
